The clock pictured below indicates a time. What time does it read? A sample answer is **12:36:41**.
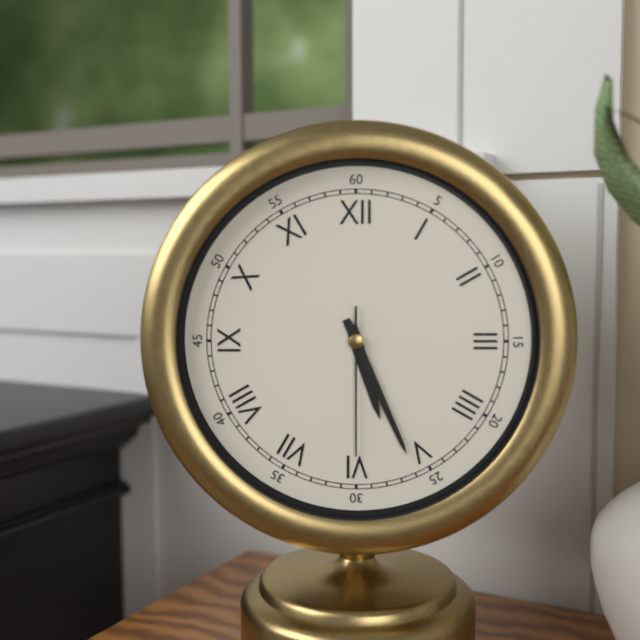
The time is **5:26:30**
